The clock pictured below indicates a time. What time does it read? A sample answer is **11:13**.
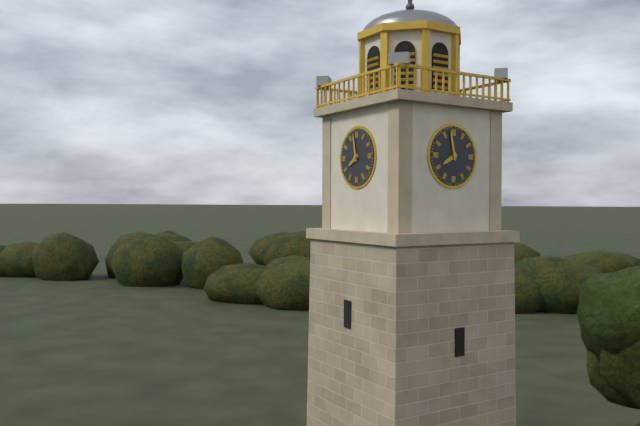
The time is **7:58**
